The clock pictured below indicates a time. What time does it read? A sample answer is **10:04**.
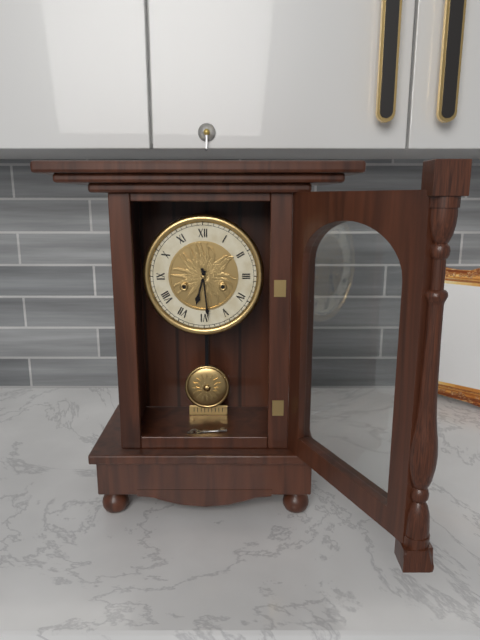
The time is **6:29**
